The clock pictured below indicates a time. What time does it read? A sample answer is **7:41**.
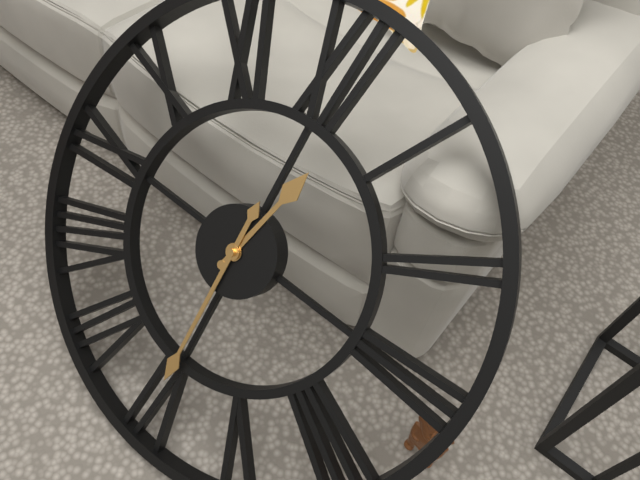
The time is **12:30**
